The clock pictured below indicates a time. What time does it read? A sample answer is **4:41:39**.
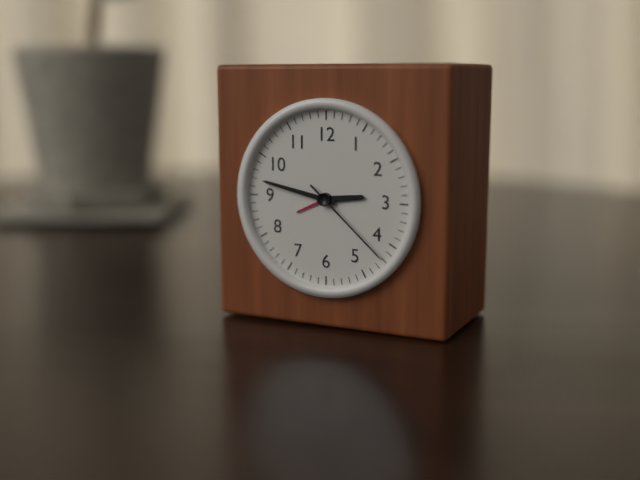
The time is **2:47:22**
